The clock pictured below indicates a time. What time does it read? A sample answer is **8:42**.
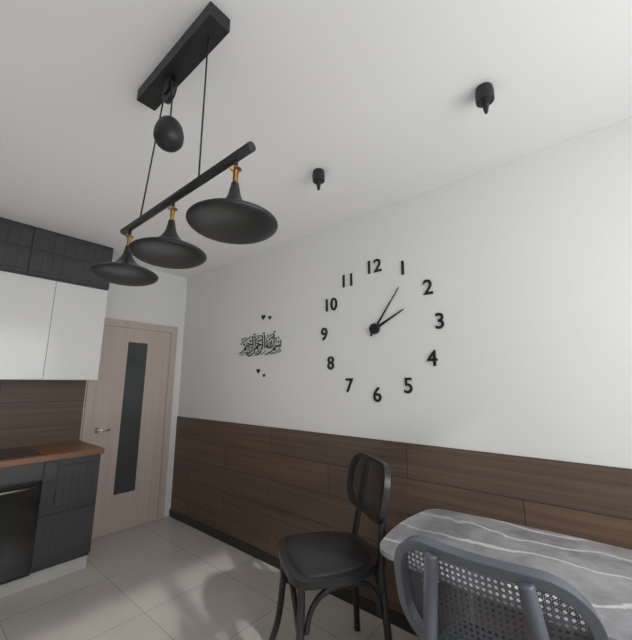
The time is **2:06**
